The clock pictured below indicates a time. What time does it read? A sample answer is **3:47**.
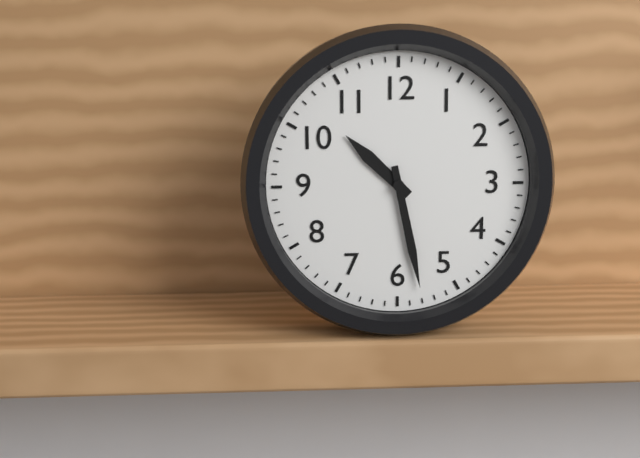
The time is **10:28**
